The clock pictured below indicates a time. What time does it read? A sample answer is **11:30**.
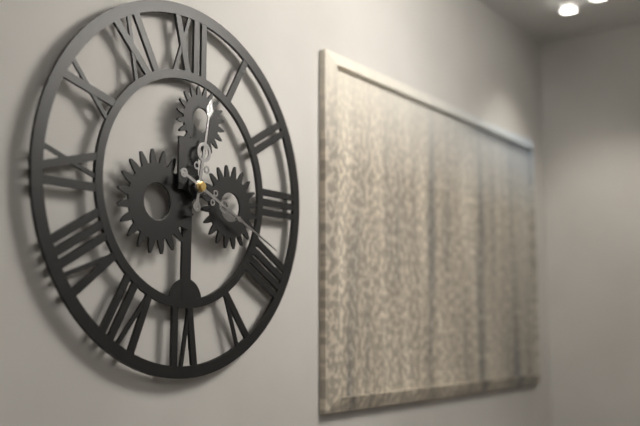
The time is **12:19**
